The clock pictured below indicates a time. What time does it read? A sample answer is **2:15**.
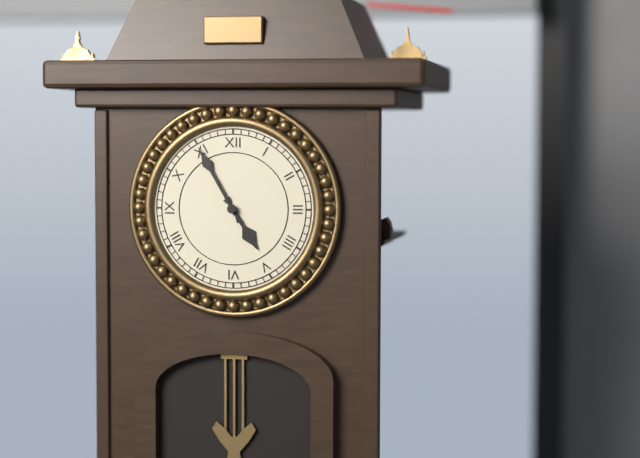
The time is **4:55**
